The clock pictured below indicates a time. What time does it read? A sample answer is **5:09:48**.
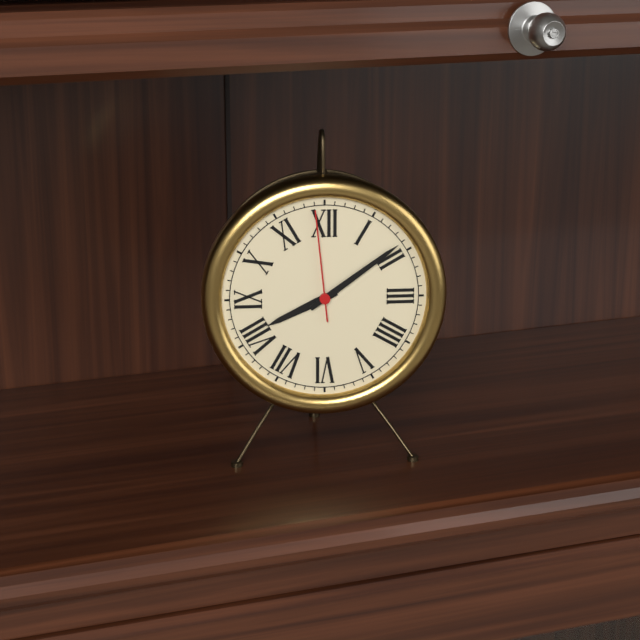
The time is **8:09:59**
